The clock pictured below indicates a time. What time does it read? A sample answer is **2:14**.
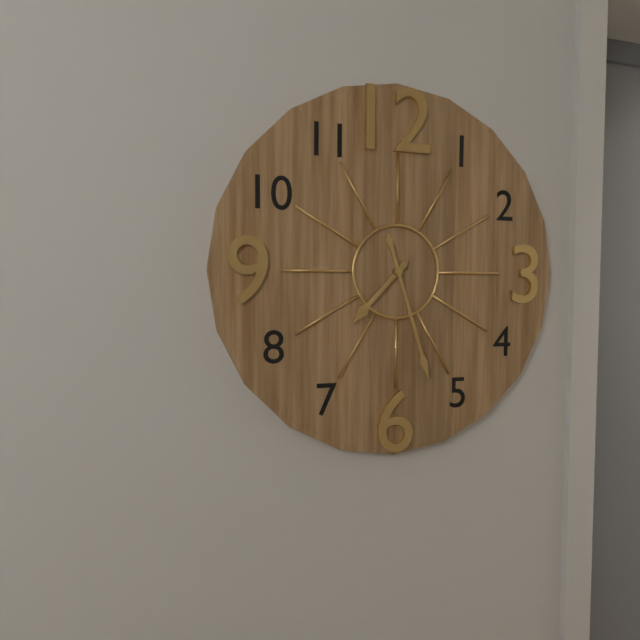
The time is **7:27**
